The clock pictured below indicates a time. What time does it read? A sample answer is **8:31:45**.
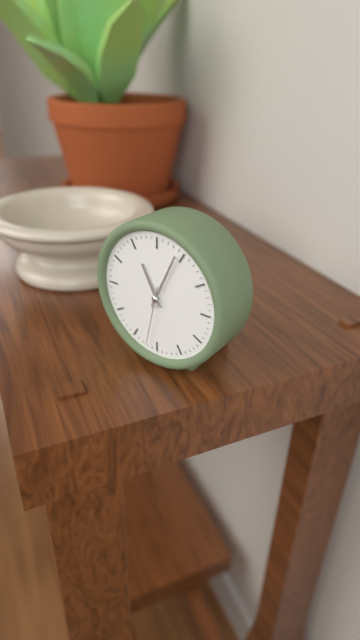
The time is **11:04:32**
